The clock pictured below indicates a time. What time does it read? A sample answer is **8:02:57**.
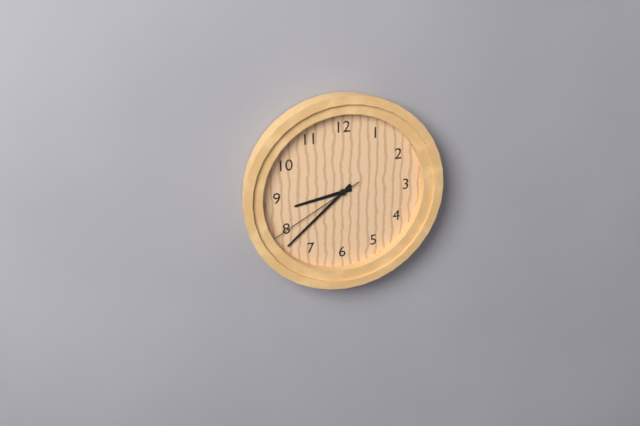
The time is **8:38:40**
